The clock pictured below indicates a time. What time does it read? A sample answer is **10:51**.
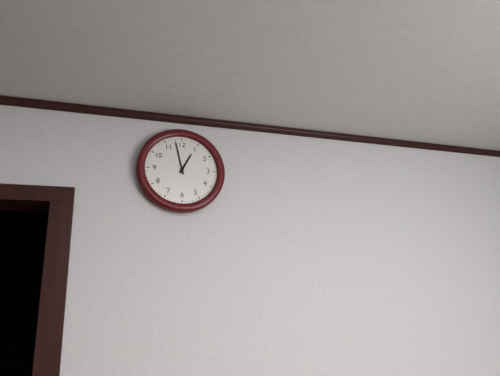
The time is **12:58**
